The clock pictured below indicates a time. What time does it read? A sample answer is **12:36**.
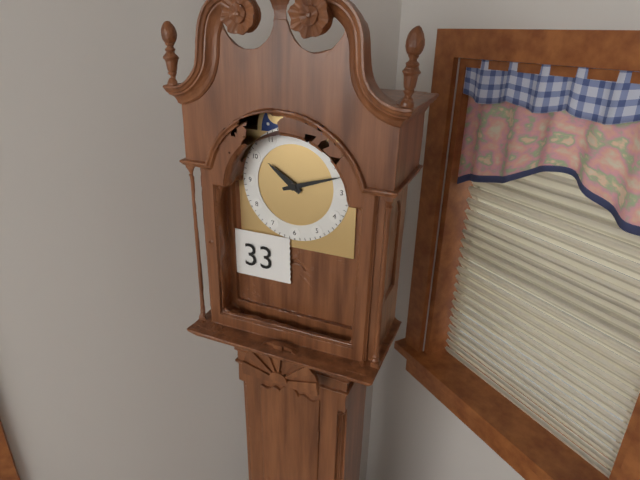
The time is **10:12**
